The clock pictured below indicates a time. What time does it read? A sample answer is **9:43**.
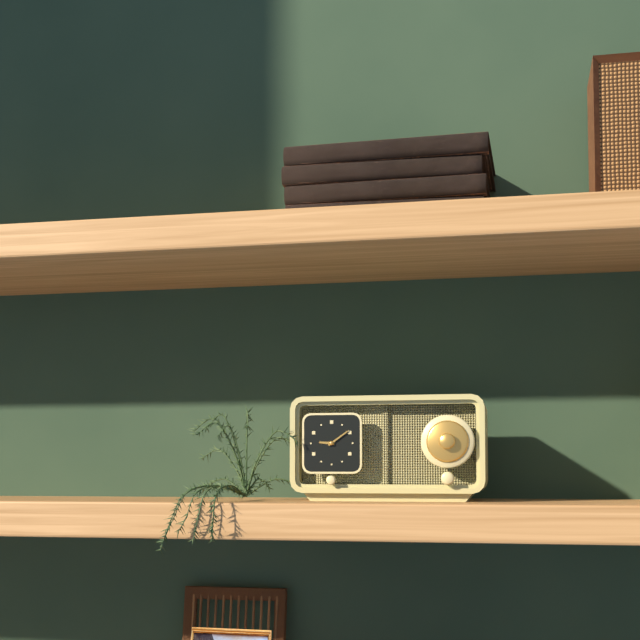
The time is **9:09**
